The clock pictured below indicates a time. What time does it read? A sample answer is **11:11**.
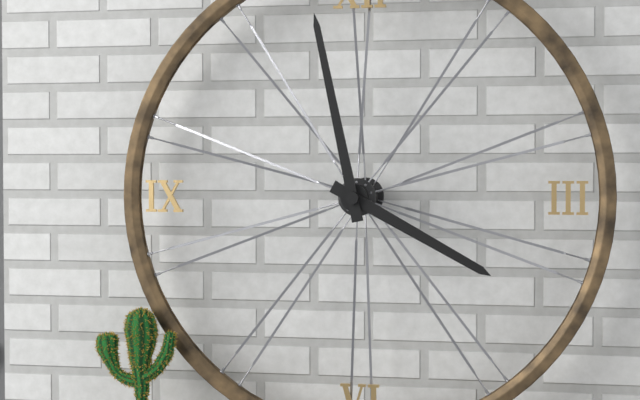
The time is **3:58**
